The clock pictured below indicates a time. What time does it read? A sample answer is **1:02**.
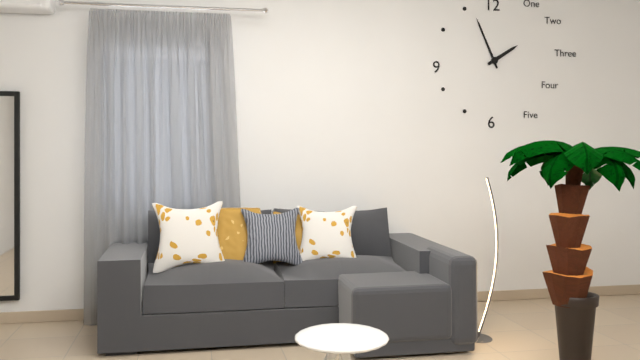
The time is **1:56**
